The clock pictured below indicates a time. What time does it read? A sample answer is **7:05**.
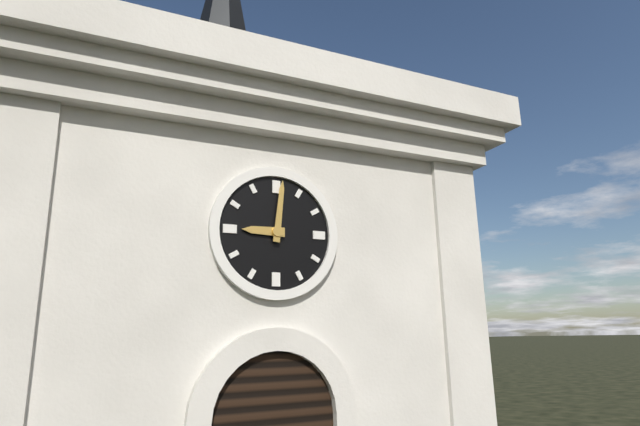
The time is **9:01**
